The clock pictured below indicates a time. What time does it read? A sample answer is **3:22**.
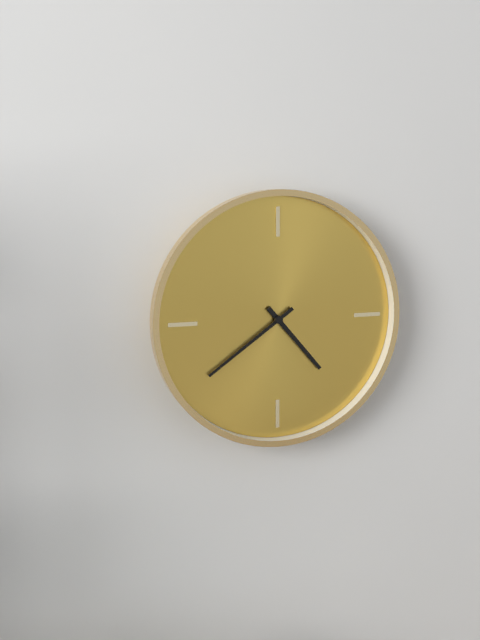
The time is **4:39**
